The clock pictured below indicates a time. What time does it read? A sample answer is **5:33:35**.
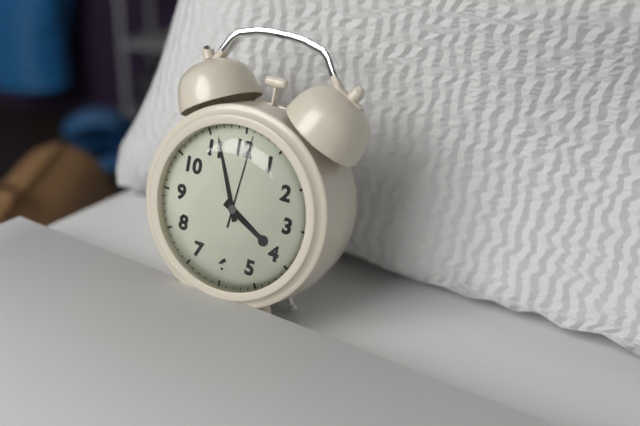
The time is **3:56:01**
